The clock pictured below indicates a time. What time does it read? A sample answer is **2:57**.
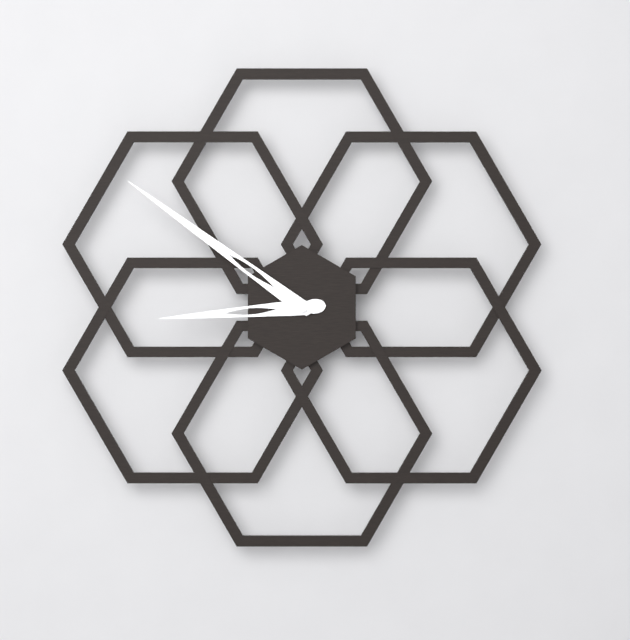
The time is **8:51**
